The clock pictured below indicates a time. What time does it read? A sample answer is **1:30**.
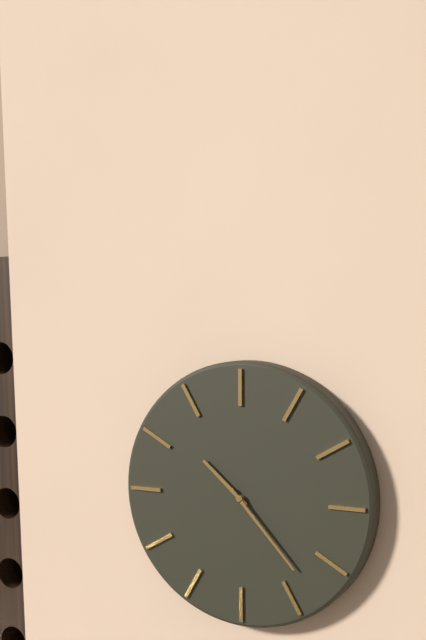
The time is **10:23**
